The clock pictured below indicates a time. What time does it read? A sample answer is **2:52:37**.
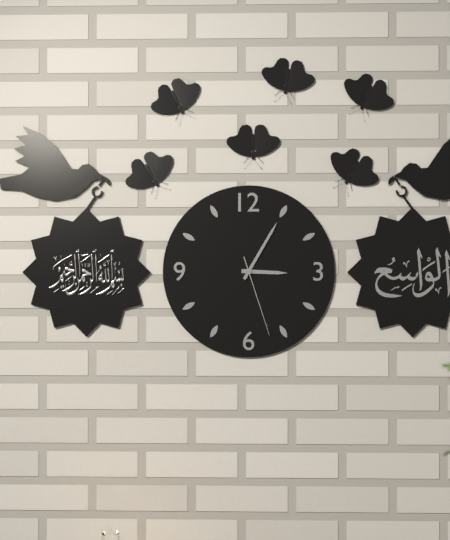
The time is **3:05:27**
